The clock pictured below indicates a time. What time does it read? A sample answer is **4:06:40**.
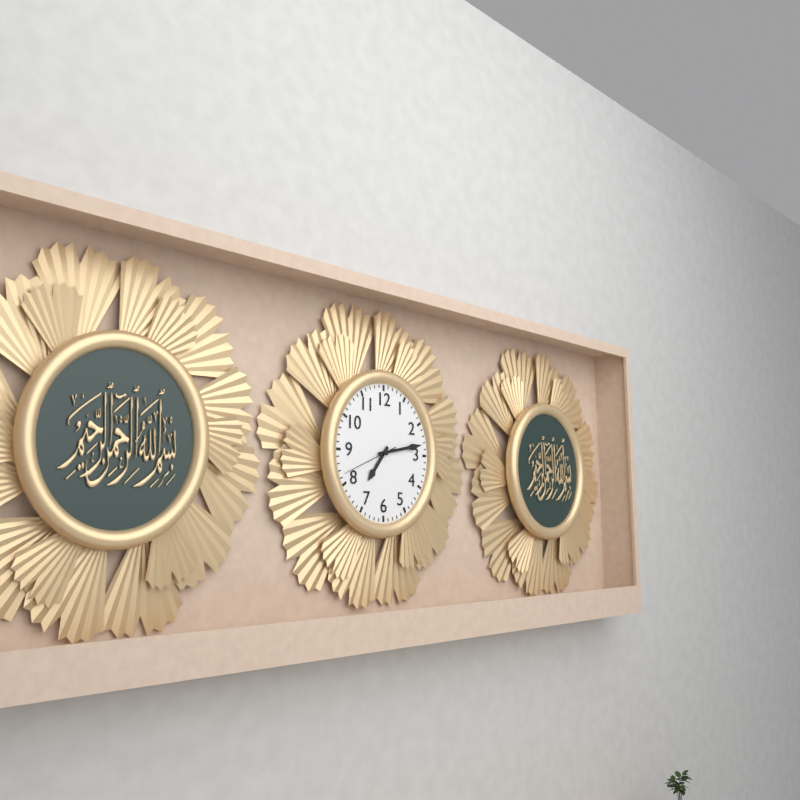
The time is **7:13:41**
